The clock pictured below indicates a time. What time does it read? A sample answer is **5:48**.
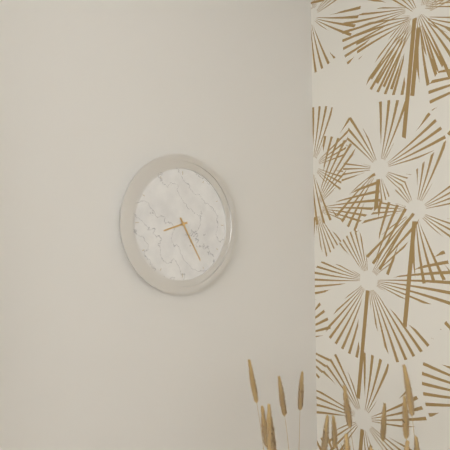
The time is **8:25**
